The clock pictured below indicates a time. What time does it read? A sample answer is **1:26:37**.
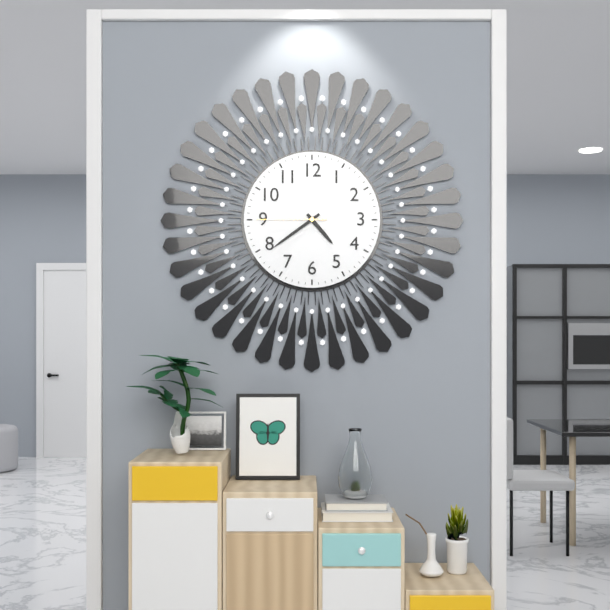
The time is **4:39:45**
